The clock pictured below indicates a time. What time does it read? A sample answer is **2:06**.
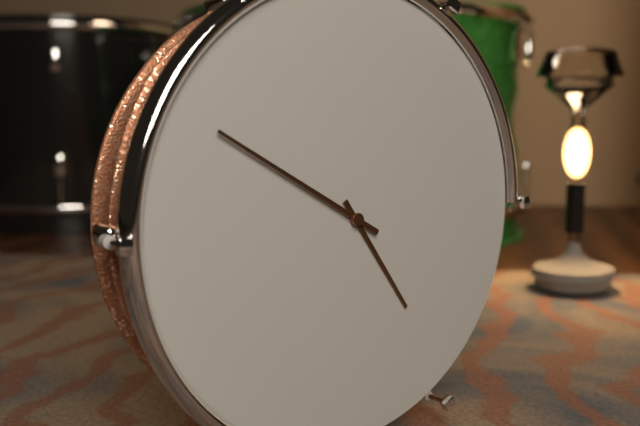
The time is **4:50**
